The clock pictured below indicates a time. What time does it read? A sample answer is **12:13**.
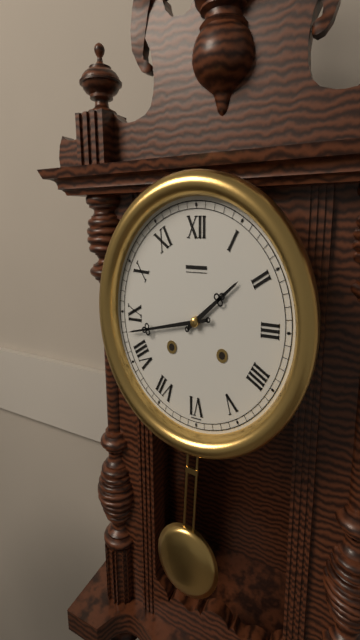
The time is **1:43**
